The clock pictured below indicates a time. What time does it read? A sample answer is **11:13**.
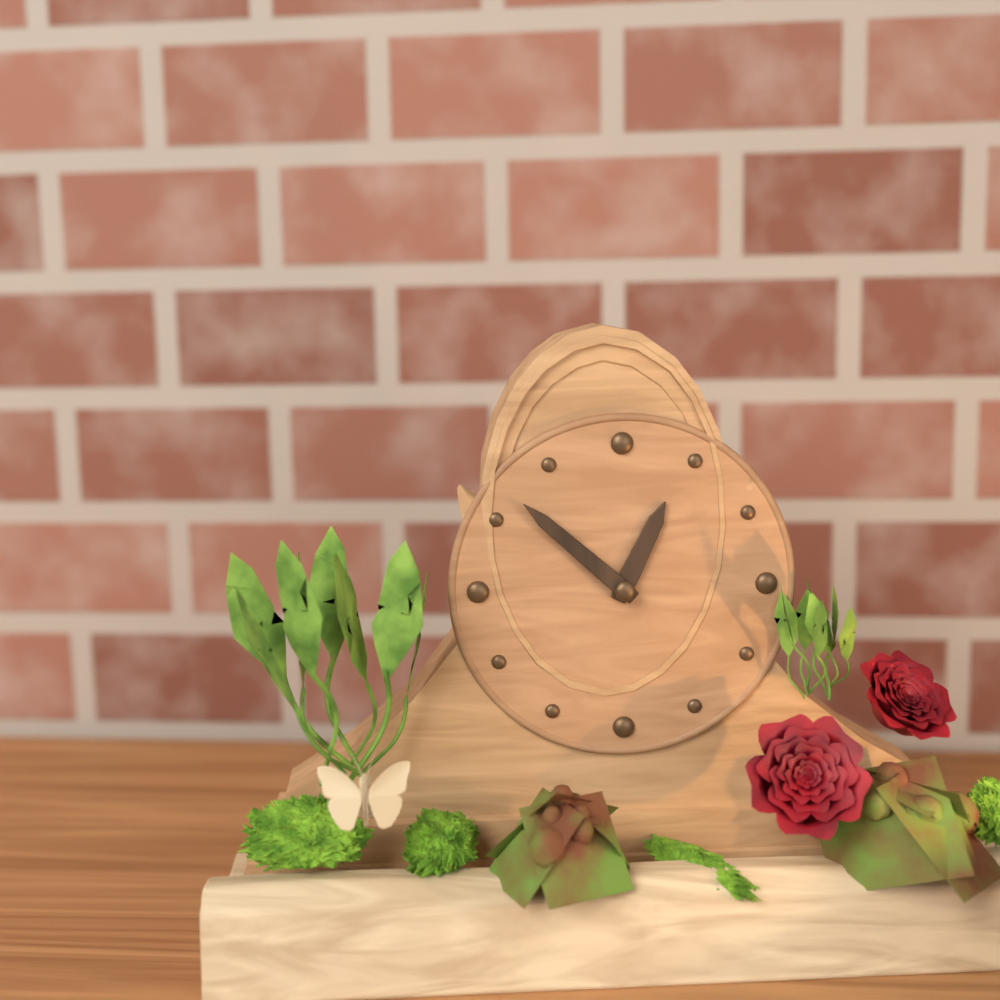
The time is **12:52**
